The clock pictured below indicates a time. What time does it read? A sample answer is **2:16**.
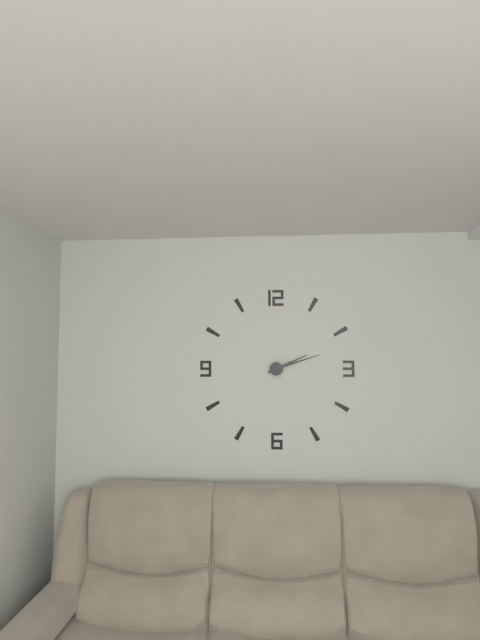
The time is **2:12**
